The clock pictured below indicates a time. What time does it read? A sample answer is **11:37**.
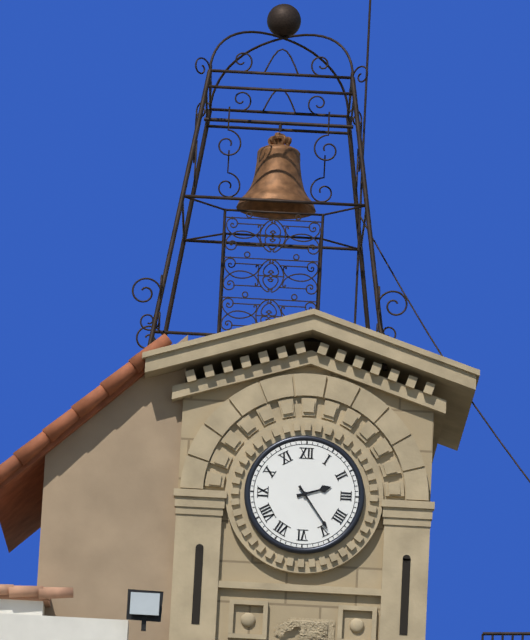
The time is **2:24**
